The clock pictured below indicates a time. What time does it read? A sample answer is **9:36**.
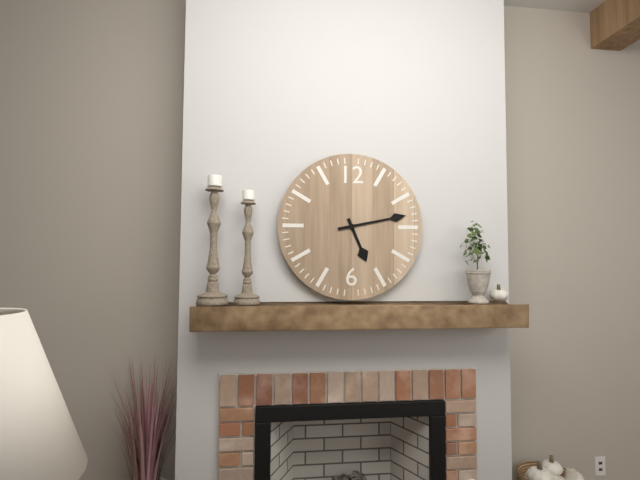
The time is **5:13**
